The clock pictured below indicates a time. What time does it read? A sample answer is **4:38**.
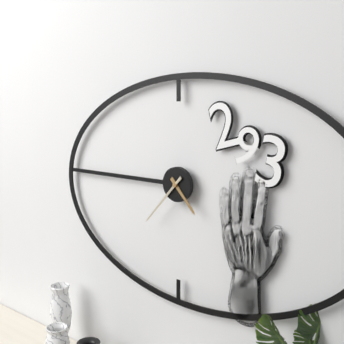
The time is **4:37**
